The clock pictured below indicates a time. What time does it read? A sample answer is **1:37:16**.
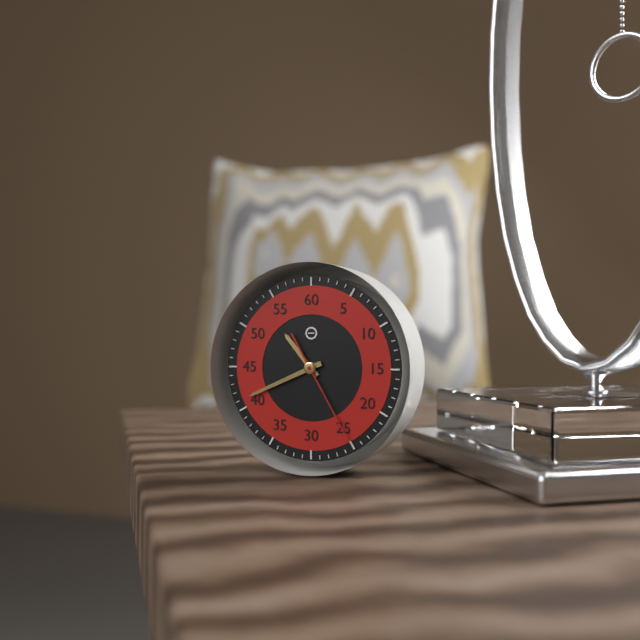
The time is **10:41:25**
